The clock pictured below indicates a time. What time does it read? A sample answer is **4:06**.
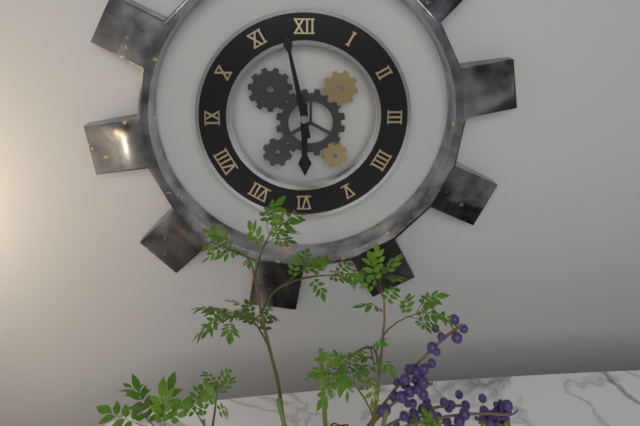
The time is **5:58**
